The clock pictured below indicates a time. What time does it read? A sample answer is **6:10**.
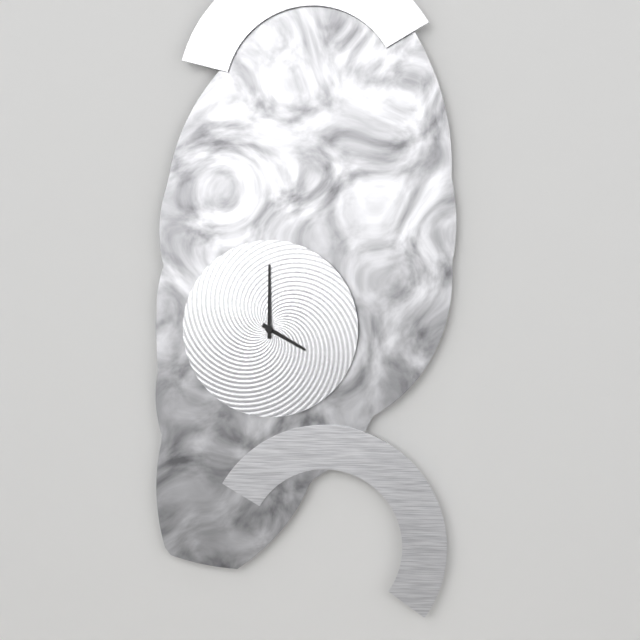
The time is **4:00**
